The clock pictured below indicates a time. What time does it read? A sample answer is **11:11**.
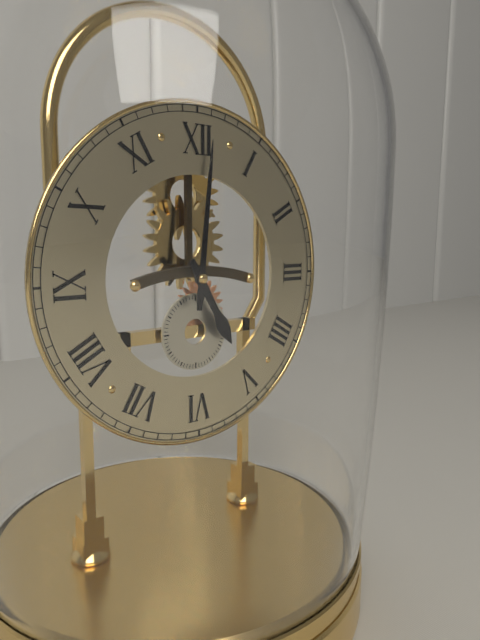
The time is **5:01**
